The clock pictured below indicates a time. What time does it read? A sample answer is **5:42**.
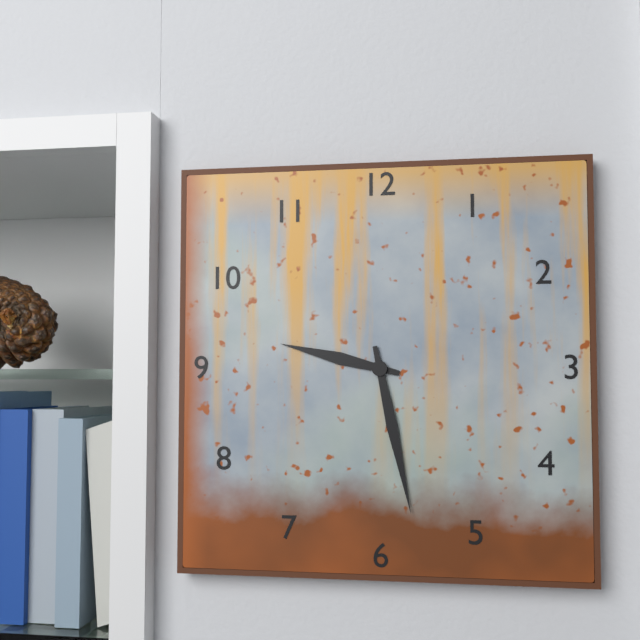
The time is **9:28**
